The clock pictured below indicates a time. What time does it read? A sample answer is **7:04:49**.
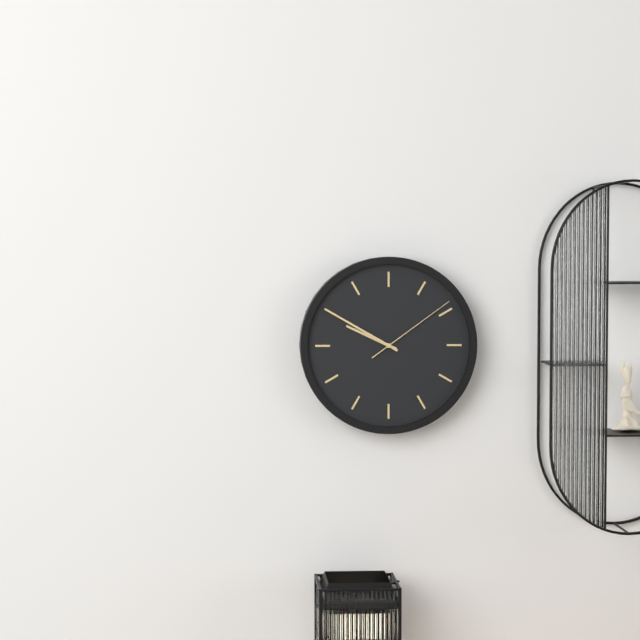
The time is **9:50:09**
